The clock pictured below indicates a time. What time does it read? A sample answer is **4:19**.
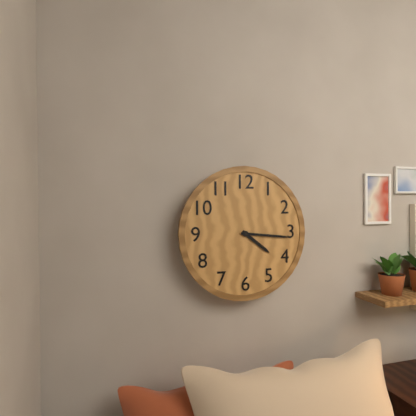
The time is **4:16**
